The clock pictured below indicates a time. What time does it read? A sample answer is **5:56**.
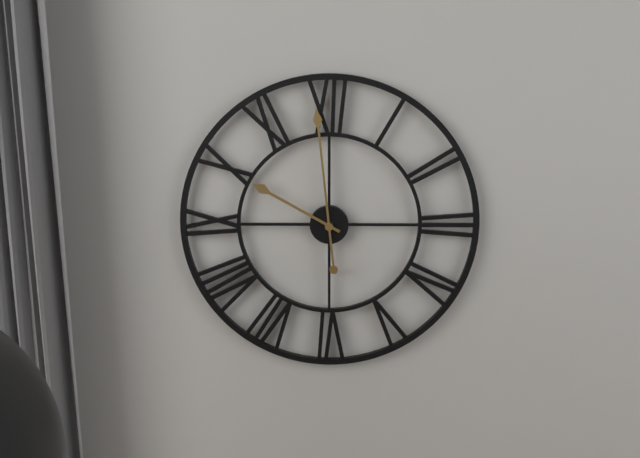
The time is **9:59**
